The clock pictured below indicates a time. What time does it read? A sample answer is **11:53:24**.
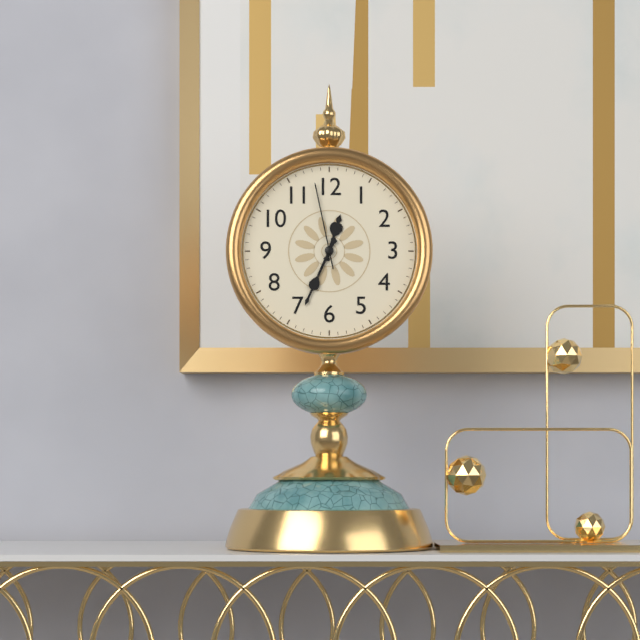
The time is **12:34:58**
